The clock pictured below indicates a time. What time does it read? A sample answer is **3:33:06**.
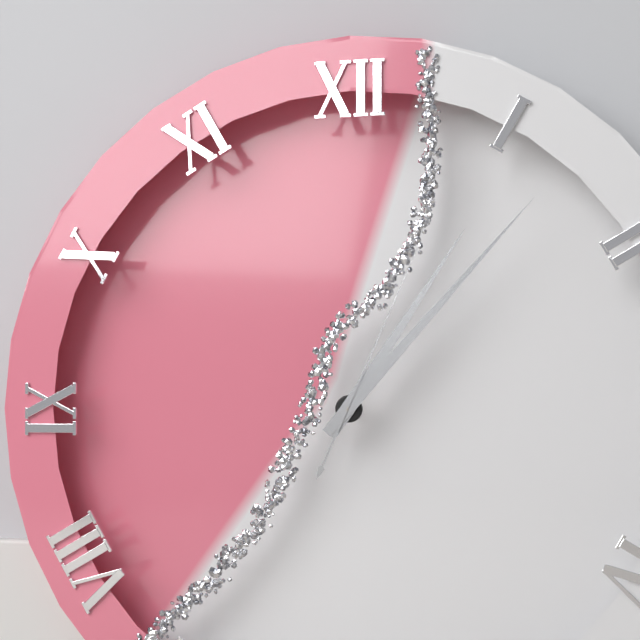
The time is **1:07:04**
